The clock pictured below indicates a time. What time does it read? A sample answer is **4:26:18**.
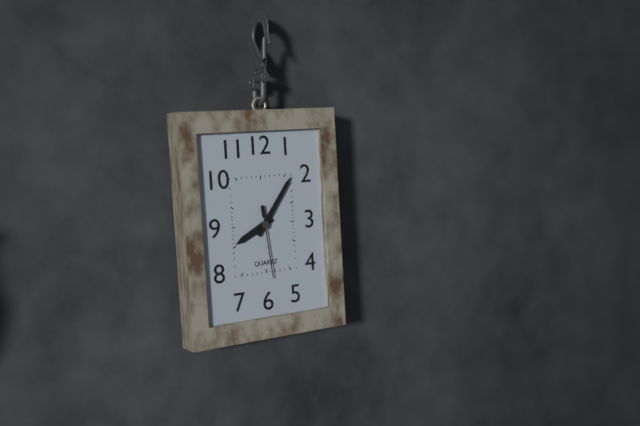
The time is **8:06:29**
